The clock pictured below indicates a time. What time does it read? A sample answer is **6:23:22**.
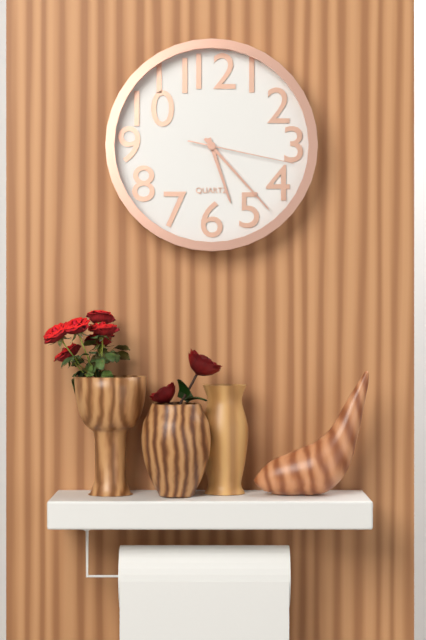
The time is **5:23:17**
